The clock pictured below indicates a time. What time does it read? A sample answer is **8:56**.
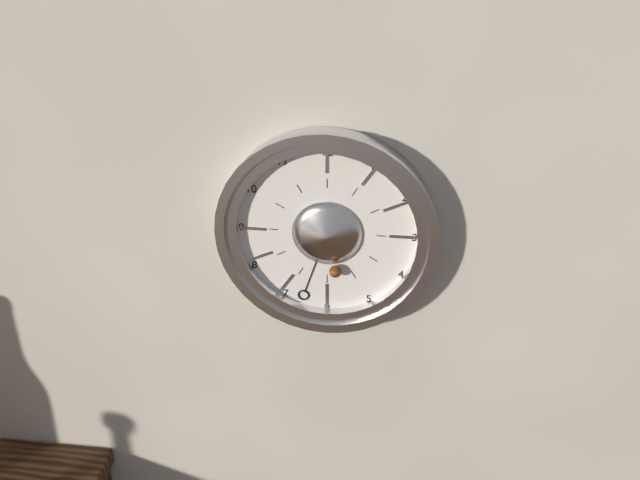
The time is **5:33**
